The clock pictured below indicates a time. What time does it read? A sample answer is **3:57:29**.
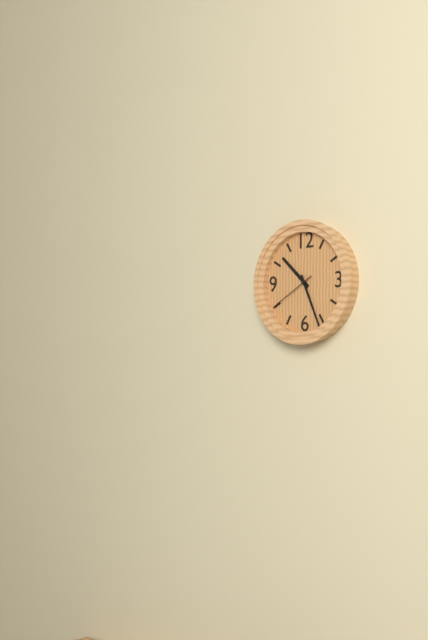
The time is **10:26:40**
